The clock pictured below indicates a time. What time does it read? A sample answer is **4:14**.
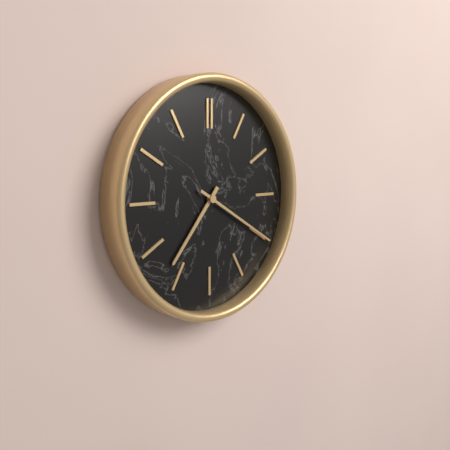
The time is **7:20**
